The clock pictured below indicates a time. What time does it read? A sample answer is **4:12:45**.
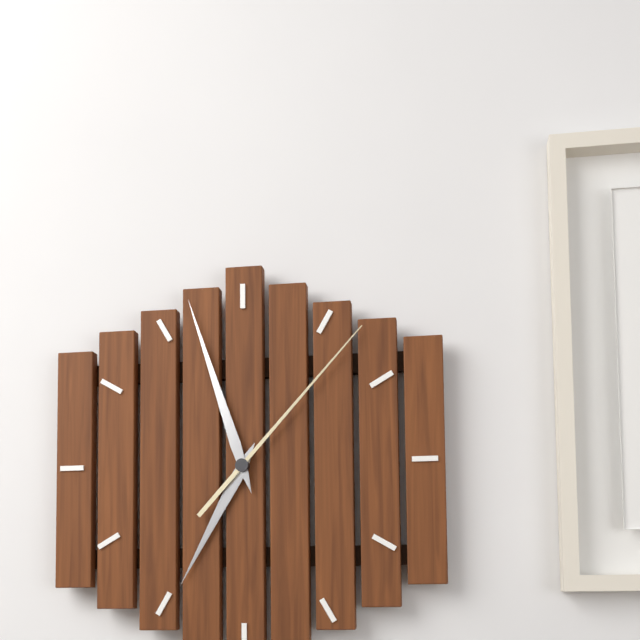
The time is **6:57:07**
